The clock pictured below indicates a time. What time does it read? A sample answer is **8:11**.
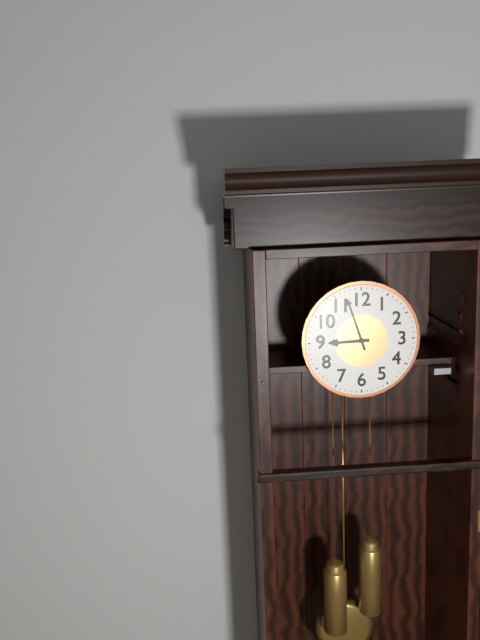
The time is **8:57**
